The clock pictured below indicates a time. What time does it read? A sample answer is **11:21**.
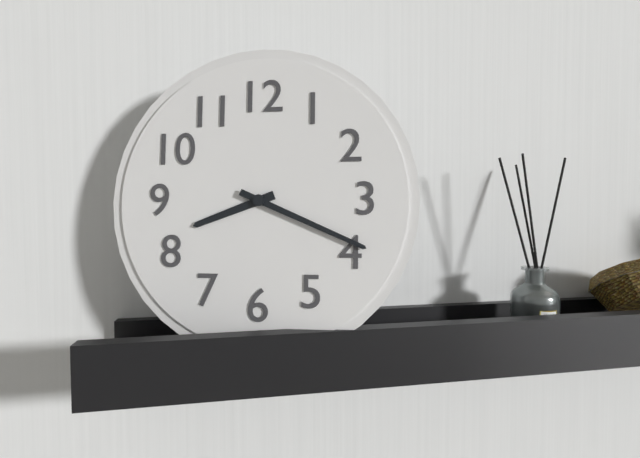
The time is **8:19**
